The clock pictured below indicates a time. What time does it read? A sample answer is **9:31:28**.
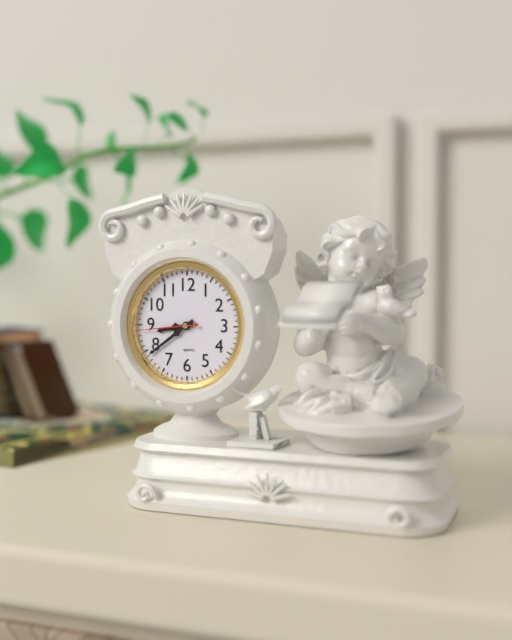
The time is **8:39:44**
